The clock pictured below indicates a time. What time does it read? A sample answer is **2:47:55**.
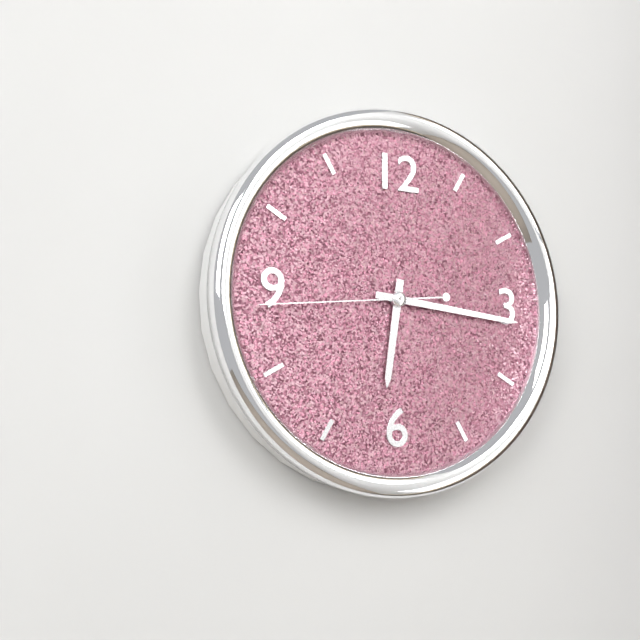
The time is **6:16:44**
